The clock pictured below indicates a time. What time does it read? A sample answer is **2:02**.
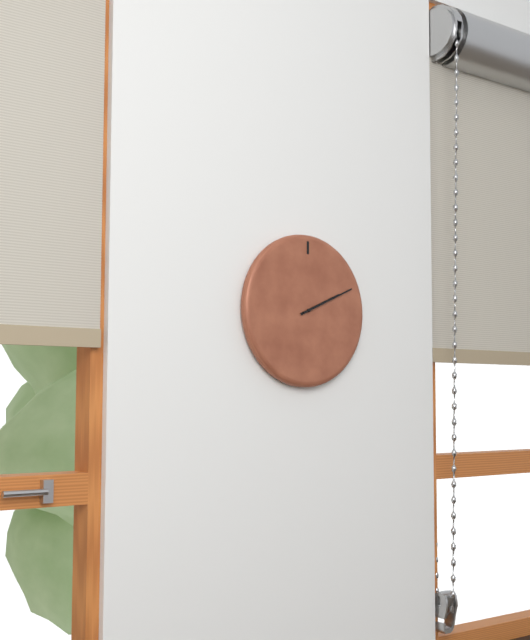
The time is **2:11**
